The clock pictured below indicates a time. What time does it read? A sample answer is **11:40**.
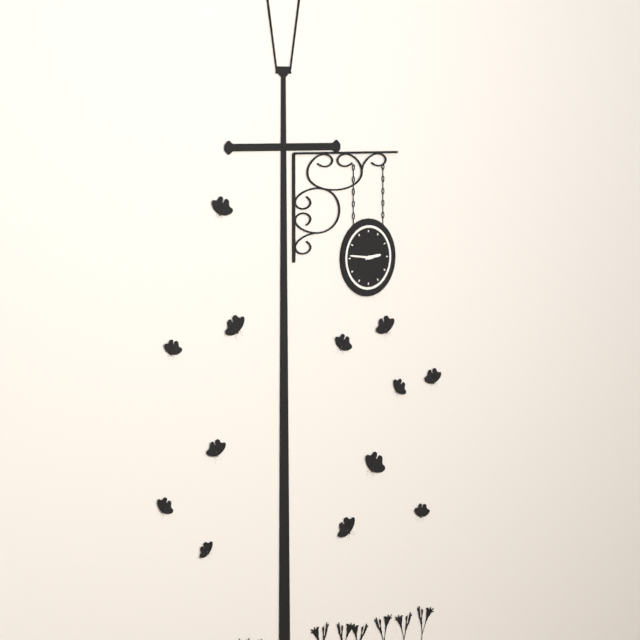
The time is **2:46**
